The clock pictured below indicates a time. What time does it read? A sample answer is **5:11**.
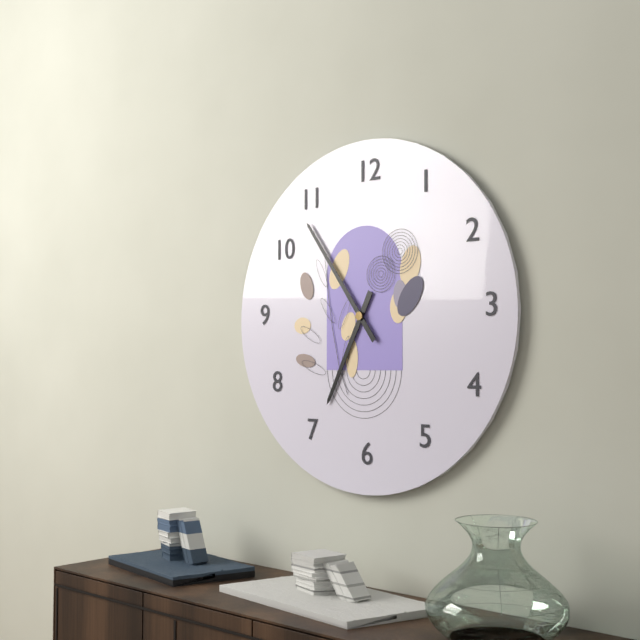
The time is **6:54**
